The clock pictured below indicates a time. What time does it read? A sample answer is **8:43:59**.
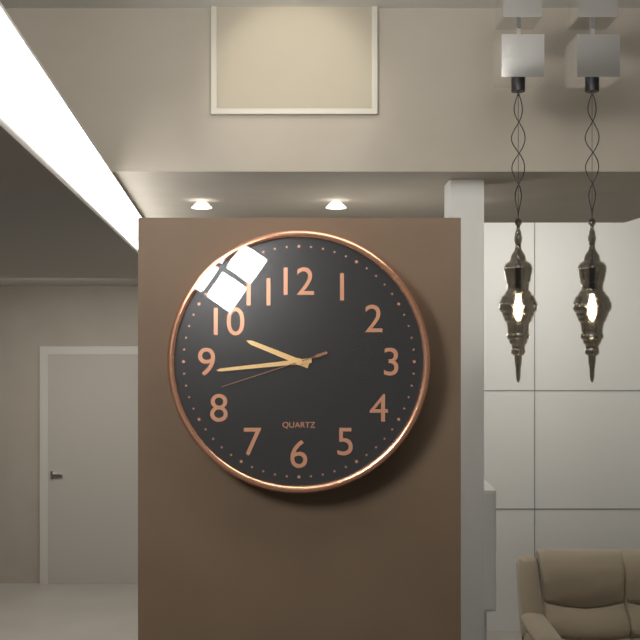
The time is **9:44:42**
